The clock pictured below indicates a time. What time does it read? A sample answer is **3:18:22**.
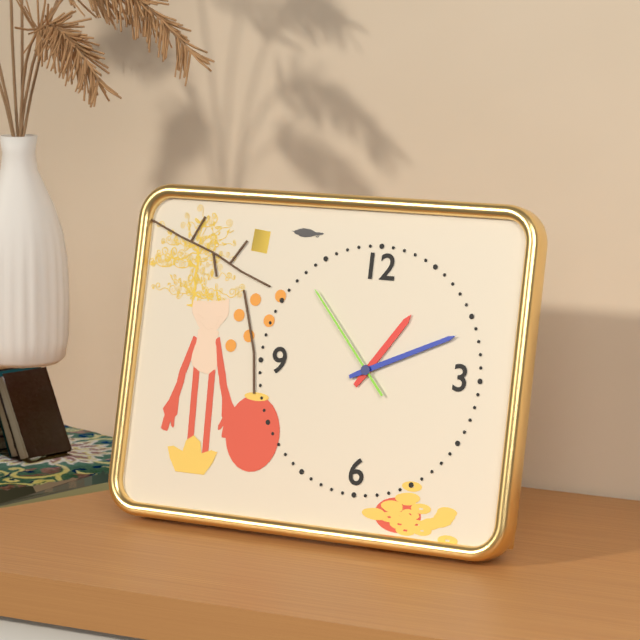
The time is **1:11:53**
